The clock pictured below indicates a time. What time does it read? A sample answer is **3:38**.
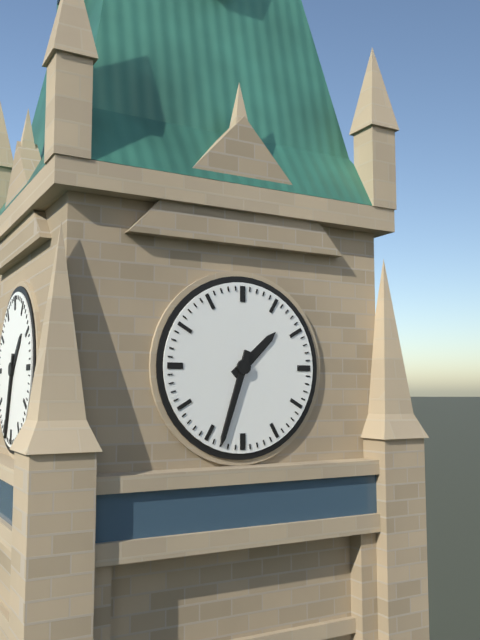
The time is **1:33**
